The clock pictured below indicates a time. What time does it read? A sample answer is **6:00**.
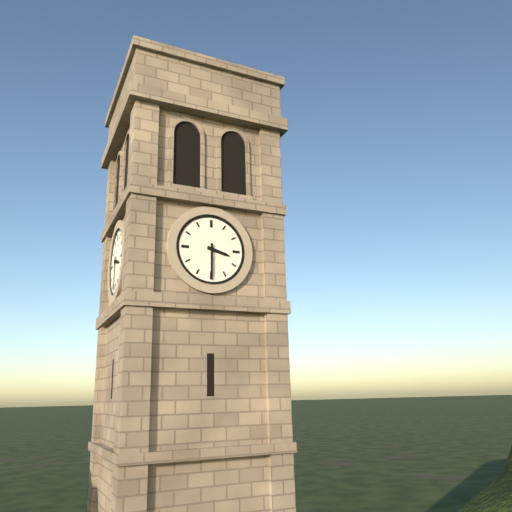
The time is **3:30**
